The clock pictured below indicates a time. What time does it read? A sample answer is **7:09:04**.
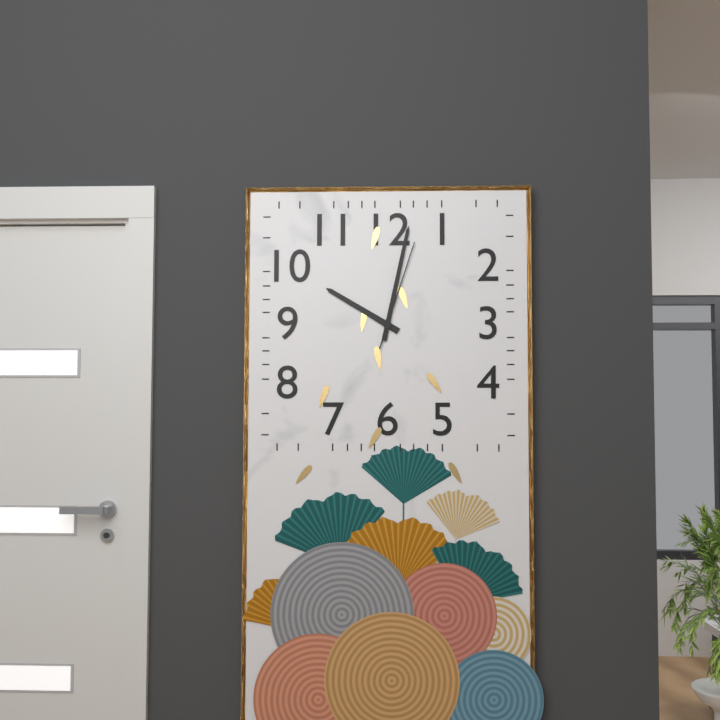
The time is **10:02:03**
